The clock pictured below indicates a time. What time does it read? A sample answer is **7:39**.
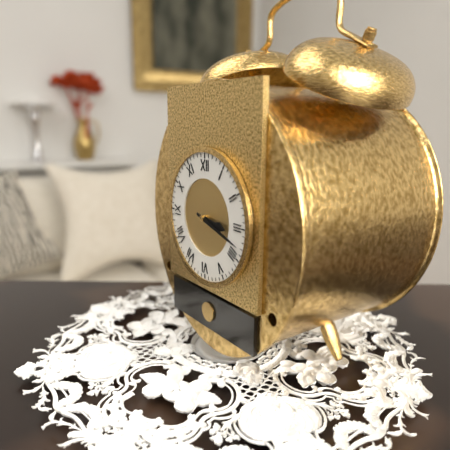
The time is **3:18**
